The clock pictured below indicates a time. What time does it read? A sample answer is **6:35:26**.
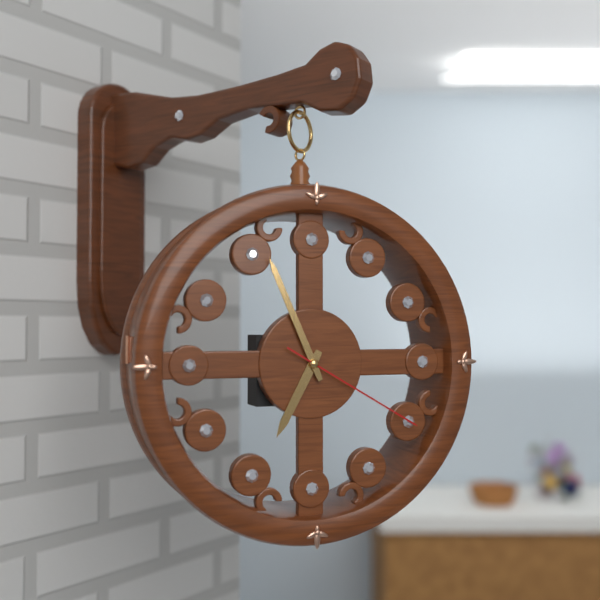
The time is **6:56:20**
